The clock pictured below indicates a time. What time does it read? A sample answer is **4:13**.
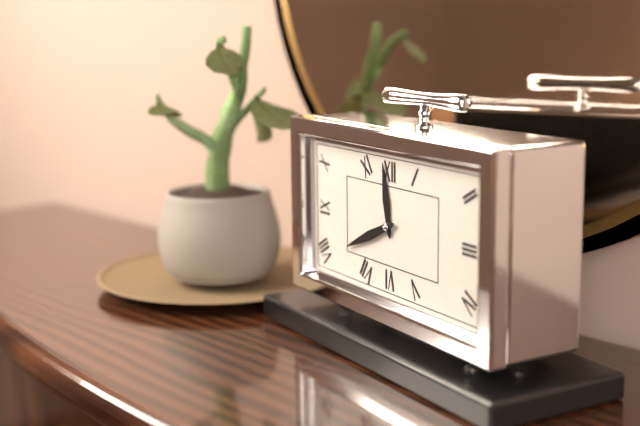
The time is **11:41**
